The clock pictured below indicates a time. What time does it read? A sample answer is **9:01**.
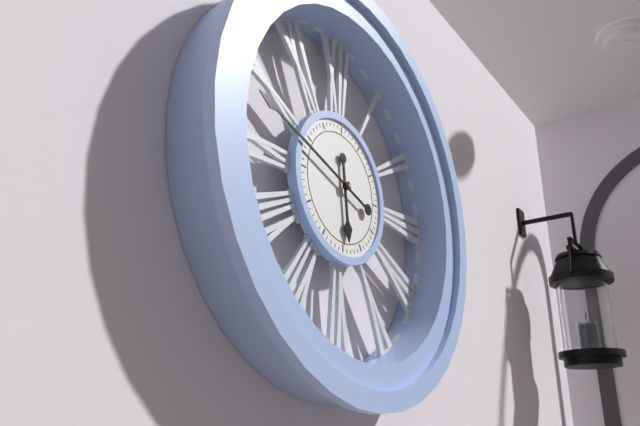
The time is **5:48**
